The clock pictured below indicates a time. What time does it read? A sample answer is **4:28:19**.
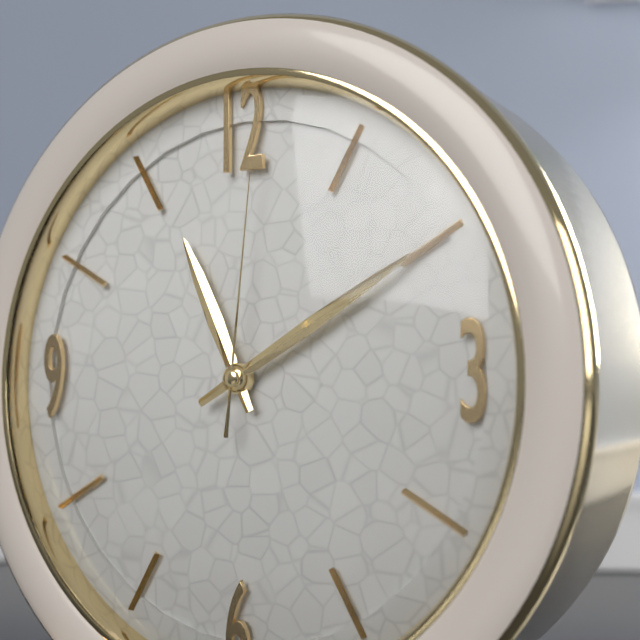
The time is **11:10:01**
